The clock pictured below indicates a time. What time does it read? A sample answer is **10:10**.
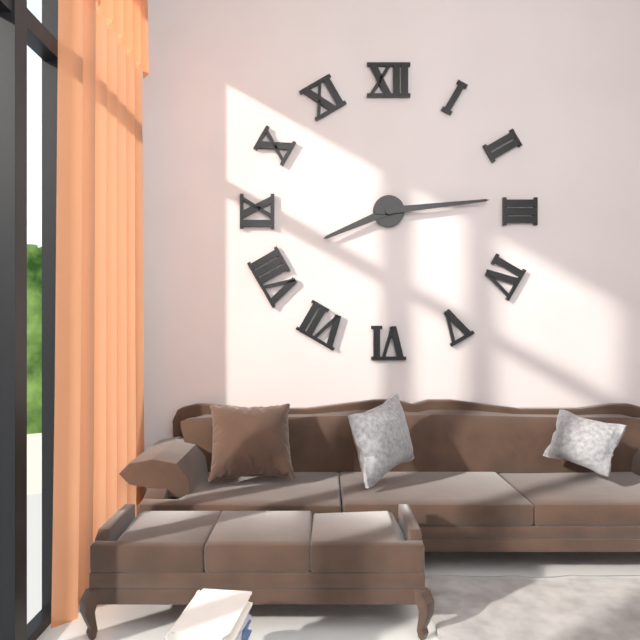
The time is **8:14**
